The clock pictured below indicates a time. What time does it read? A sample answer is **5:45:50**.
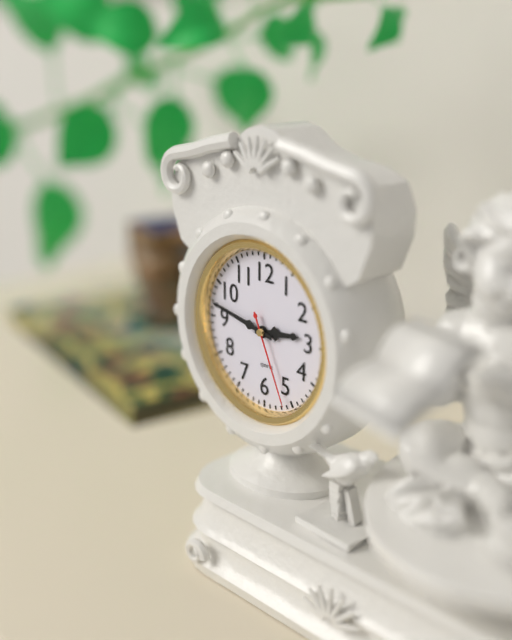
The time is **2:47:26**
